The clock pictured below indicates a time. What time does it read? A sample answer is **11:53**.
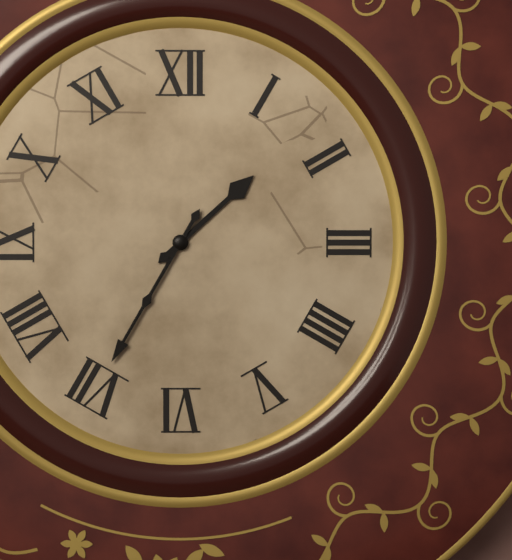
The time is **1:35**
